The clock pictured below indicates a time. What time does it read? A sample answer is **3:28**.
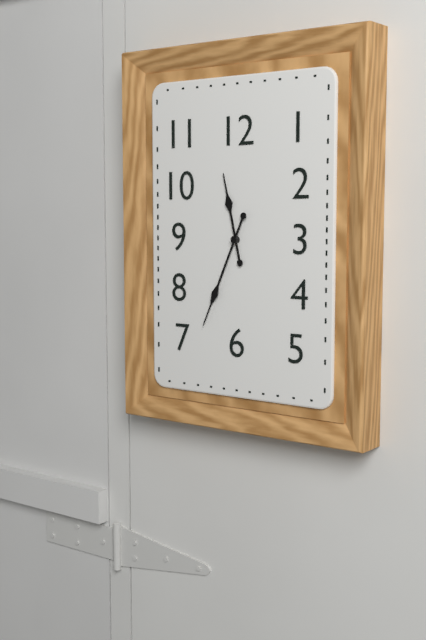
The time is **11:34**
